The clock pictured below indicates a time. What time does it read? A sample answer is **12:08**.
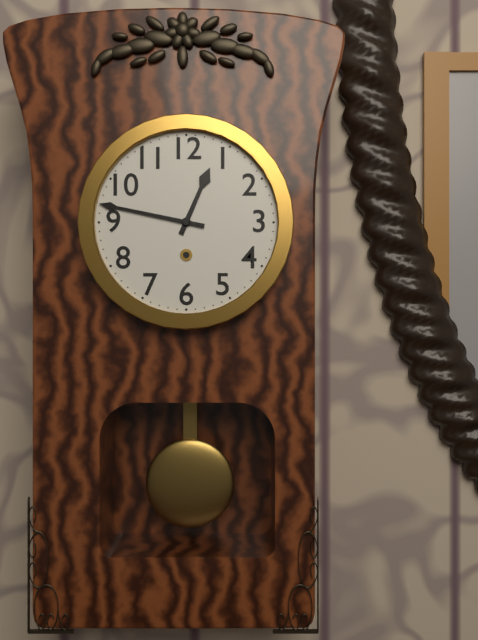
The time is **12:47**
